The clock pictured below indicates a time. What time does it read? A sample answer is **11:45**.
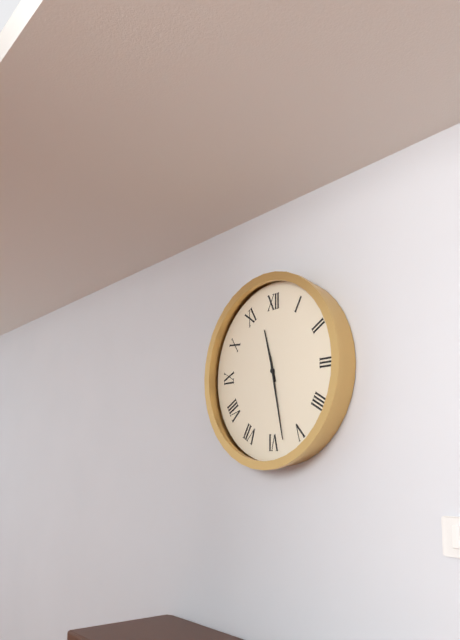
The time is **11:28**
